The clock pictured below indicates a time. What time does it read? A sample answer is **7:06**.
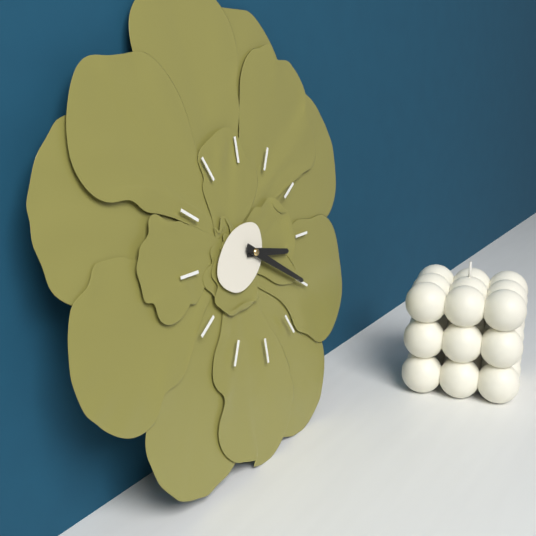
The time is **3:20**
